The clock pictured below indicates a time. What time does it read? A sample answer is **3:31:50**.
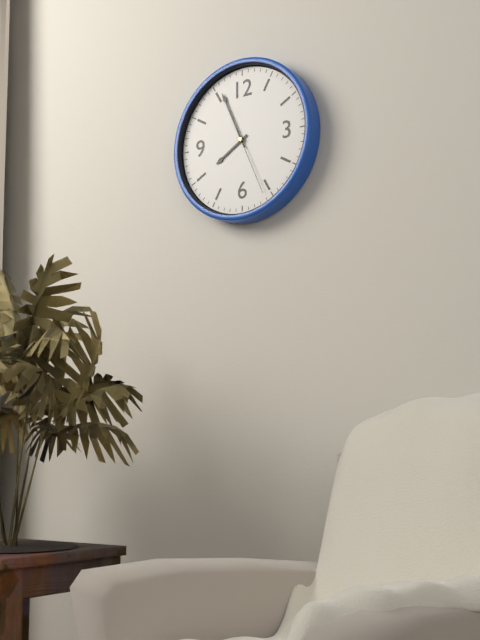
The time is **7:56:26**
